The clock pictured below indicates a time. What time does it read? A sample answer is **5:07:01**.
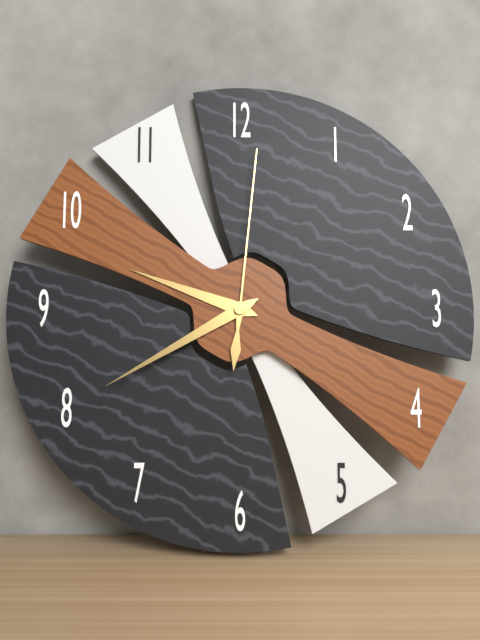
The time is **9:40:01**
